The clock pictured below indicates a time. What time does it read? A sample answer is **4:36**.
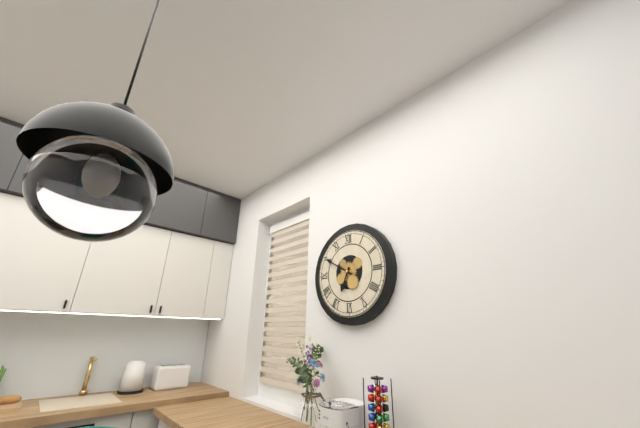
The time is **6:50**
